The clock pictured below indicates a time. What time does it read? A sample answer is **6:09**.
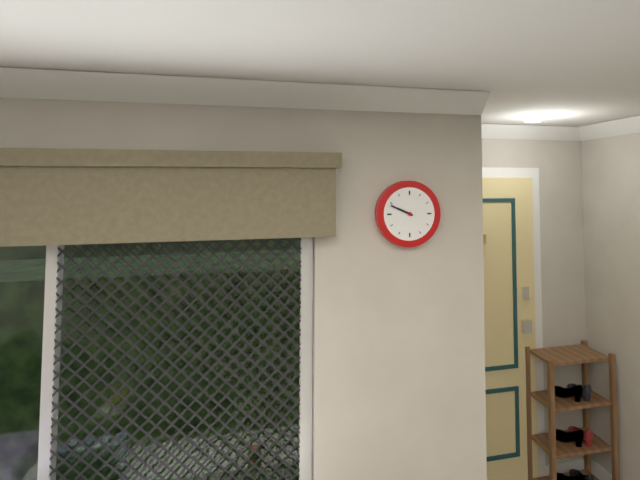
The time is **9:49**
